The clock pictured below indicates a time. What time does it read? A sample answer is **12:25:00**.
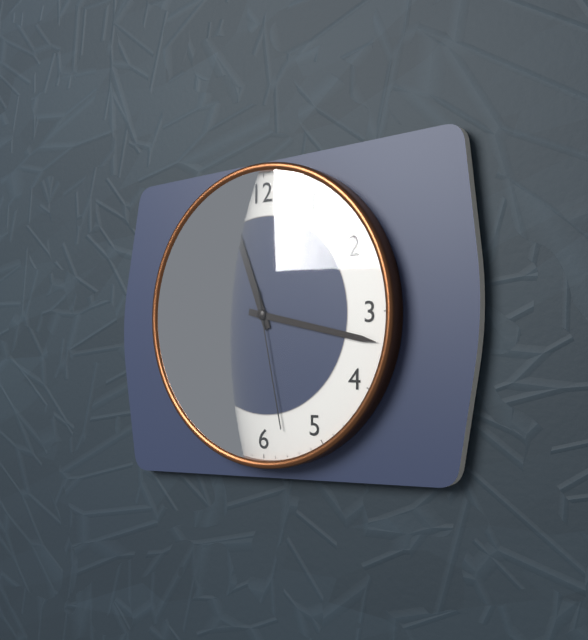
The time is **11:17:28**
